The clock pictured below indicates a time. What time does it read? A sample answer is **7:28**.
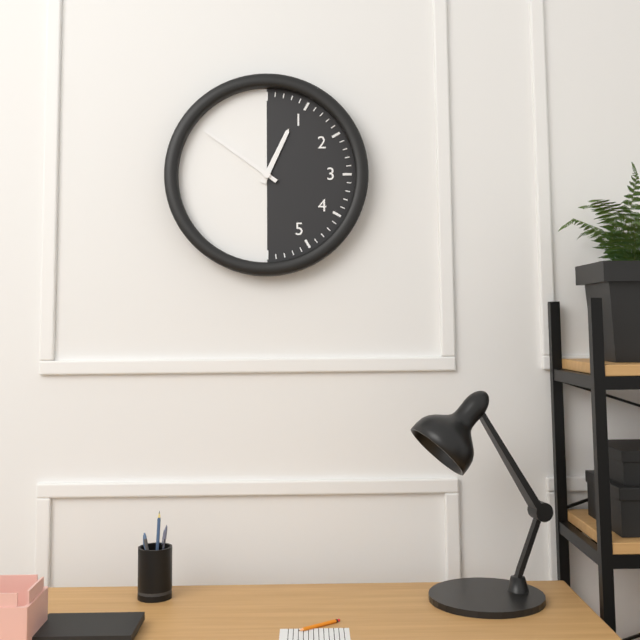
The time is **12:51**
